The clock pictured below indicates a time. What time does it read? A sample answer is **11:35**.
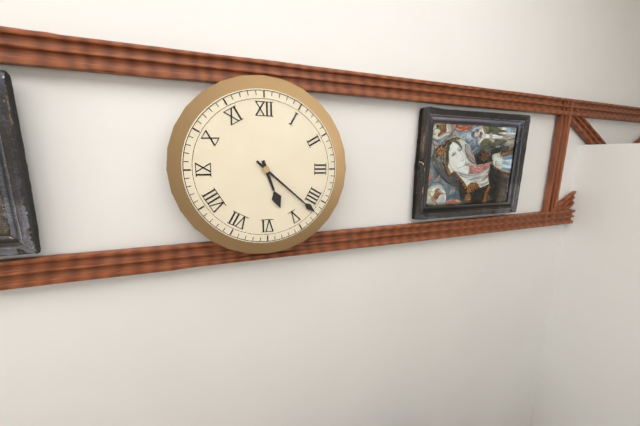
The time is **5:22**
